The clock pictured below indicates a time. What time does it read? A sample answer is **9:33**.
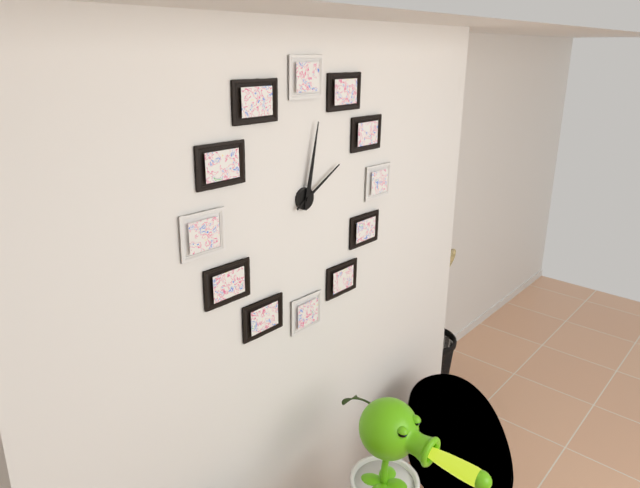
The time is **2:02**
